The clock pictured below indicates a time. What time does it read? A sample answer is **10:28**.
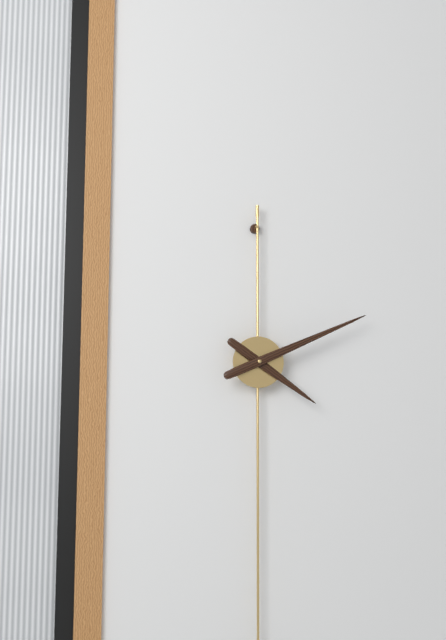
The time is **4:11**
